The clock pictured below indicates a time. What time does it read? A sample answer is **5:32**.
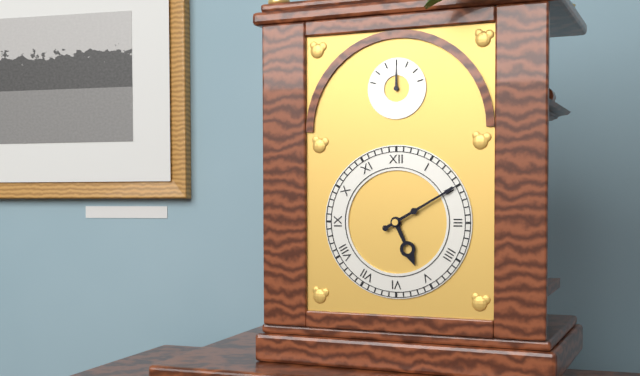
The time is **5:10**
